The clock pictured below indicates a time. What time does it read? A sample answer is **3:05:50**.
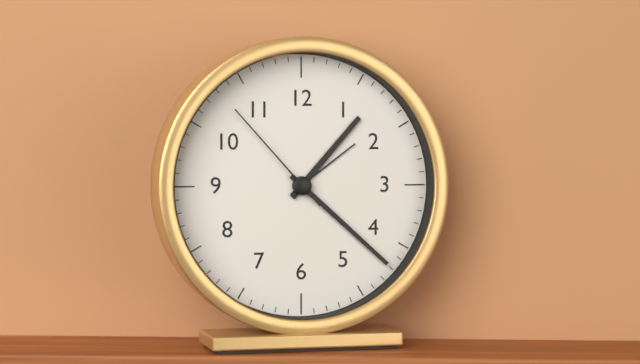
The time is **1:22:53**
